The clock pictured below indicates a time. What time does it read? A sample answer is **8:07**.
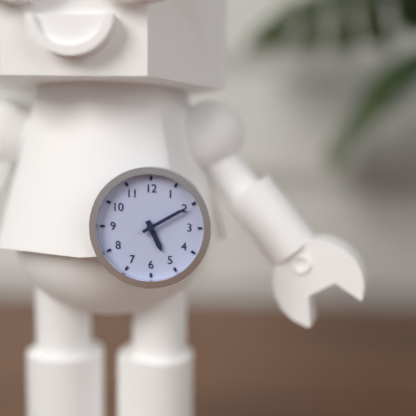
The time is **5:10**
